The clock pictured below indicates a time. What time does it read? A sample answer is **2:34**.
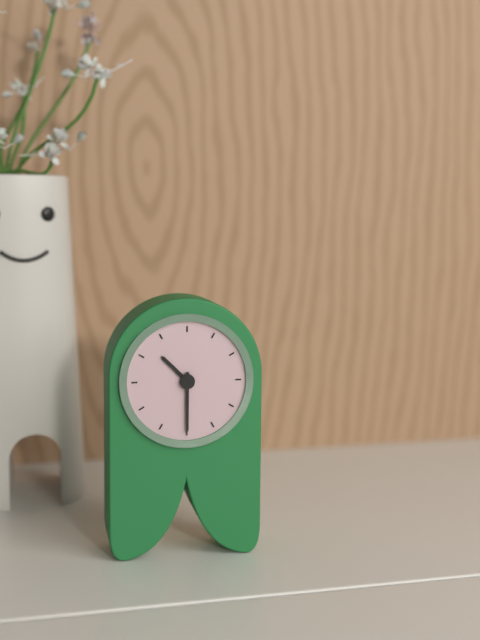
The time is **10:30**
